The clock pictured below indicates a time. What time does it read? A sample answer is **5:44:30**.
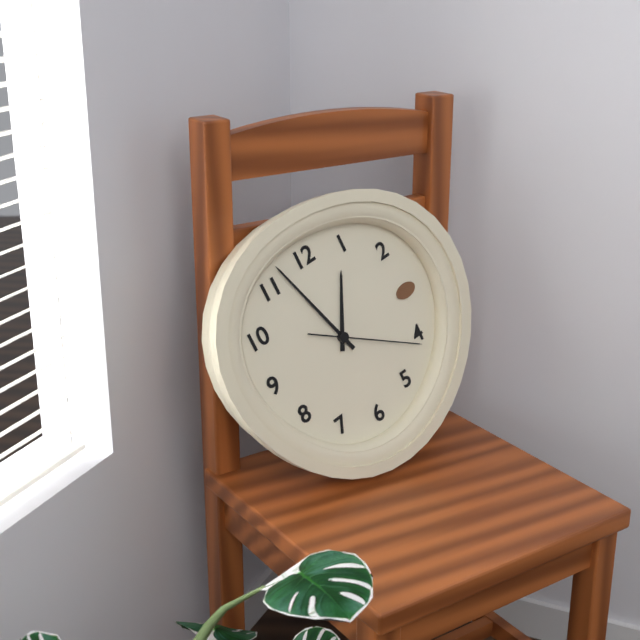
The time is **12:57:21**
